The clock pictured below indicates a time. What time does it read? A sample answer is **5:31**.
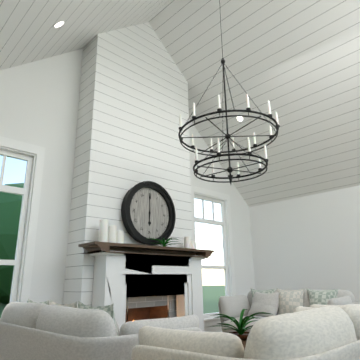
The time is **6:00**
